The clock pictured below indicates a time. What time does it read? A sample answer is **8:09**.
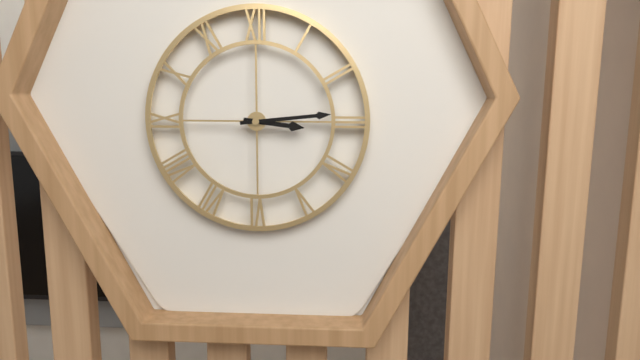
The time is **3:14**
